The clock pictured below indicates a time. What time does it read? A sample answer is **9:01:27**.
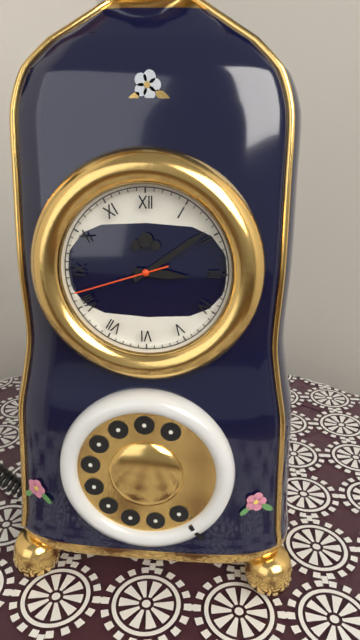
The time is **3:09:42**
